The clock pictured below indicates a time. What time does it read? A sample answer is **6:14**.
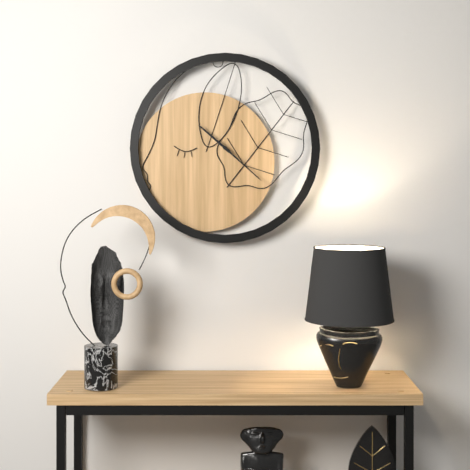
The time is **10:22**
